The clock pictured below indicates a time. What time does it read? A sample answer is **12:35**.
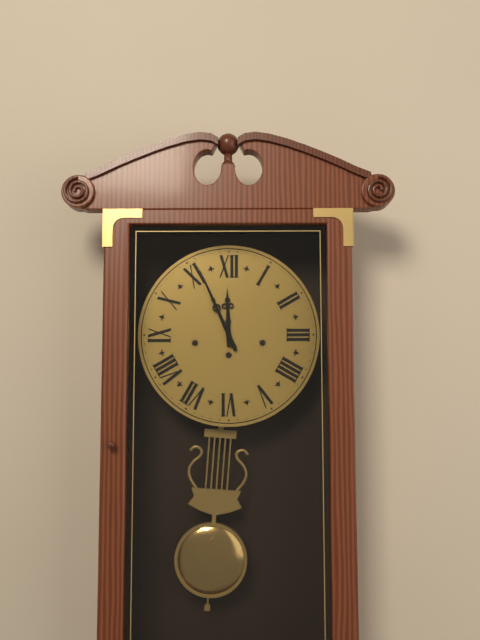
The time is **11:56**
